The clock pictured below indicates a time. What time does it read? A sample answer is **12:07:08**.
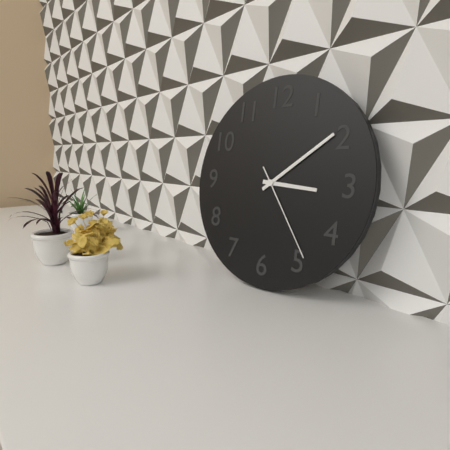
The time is **3:09:24**
